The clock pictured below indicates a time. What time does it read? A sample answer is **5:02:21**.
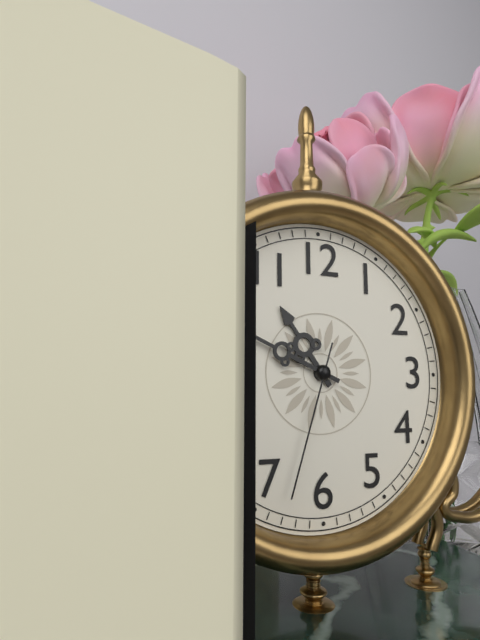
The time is **10:49:33**
